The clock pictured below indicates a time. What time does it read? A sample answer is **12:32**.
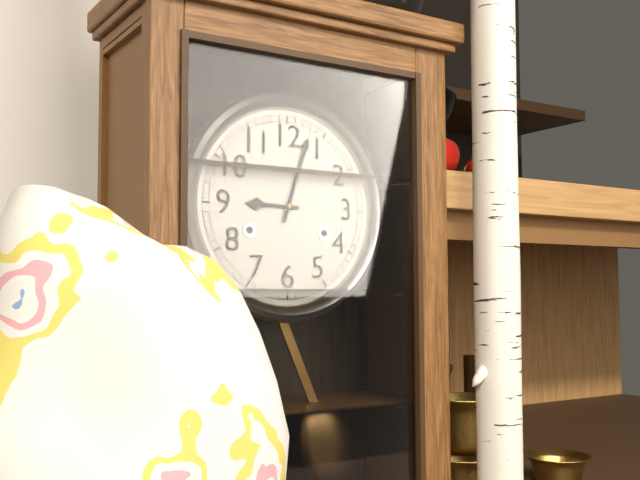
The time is **9:03**
